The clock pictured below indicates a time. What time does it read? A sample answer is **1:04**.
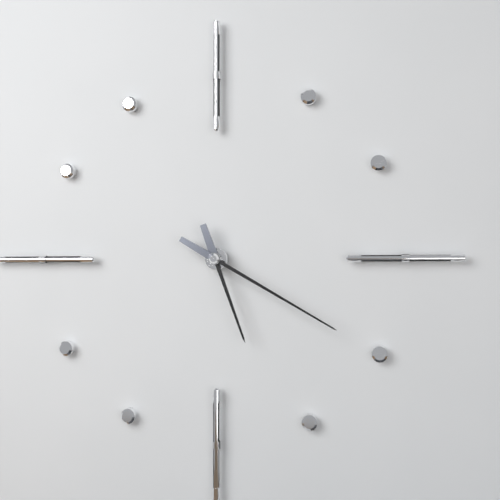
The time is **5:20**
